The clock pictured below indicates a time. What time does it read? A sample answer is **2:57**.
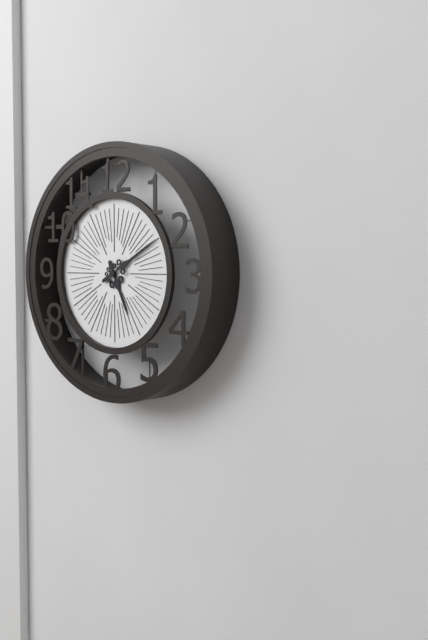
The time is **5:10**
